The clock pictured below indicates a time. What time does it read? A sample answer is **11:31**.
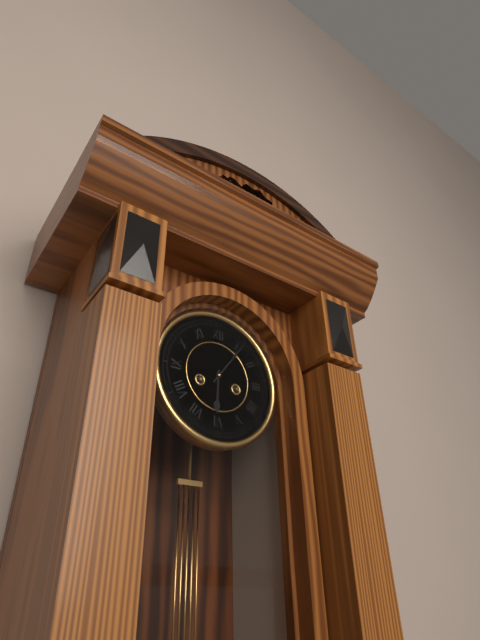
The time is **6:06**
